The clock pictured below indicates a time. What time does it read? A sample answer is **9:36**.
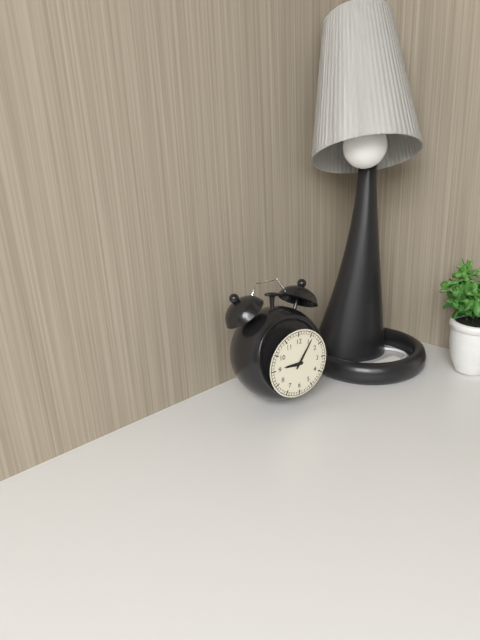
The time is **9:06**
